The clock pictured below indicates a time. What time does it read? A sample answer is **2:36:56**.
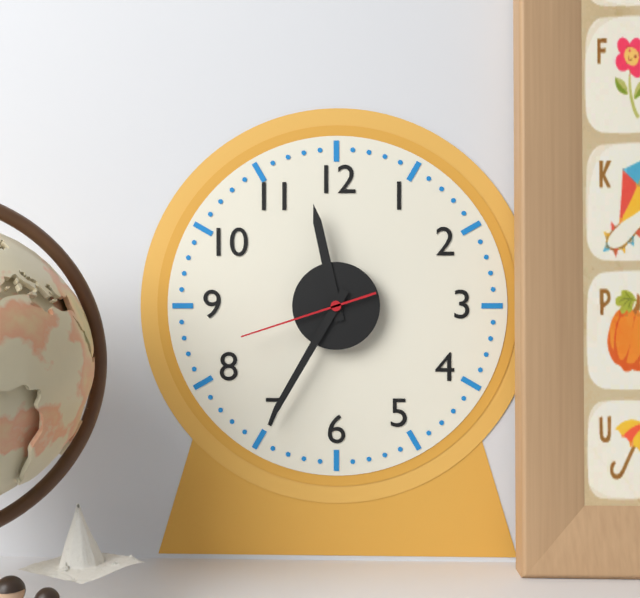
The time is **11:35:42**
